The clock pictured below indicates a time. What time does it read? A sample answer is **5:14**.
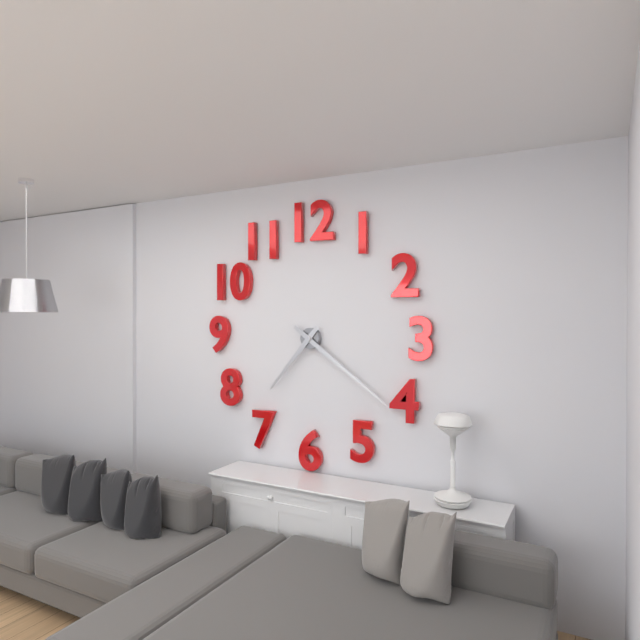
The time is **7:21**
